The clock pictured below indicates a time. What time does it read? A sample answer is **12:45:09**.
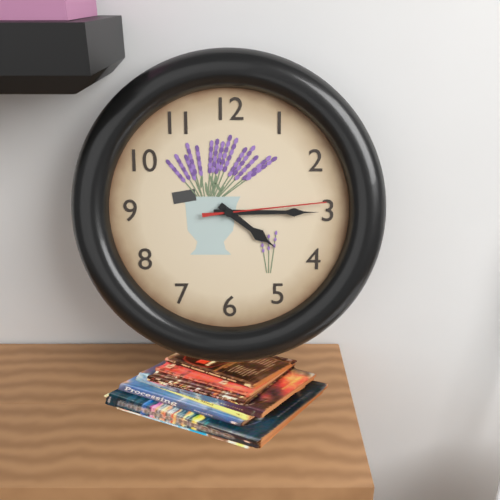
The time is **4:15:14**
